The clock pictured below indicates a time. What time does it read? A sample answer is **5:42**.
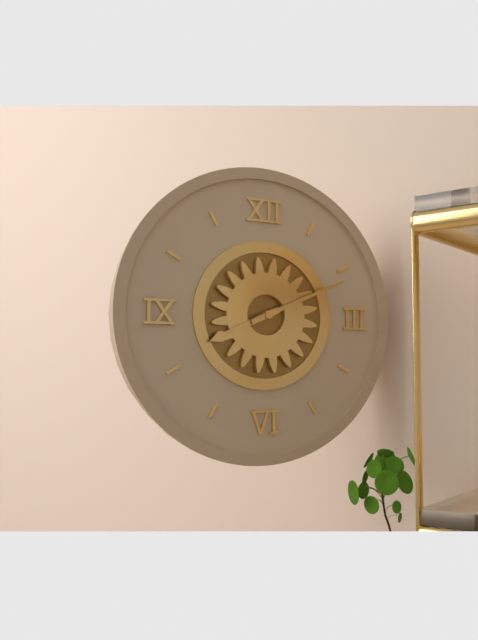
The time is **8:11**
